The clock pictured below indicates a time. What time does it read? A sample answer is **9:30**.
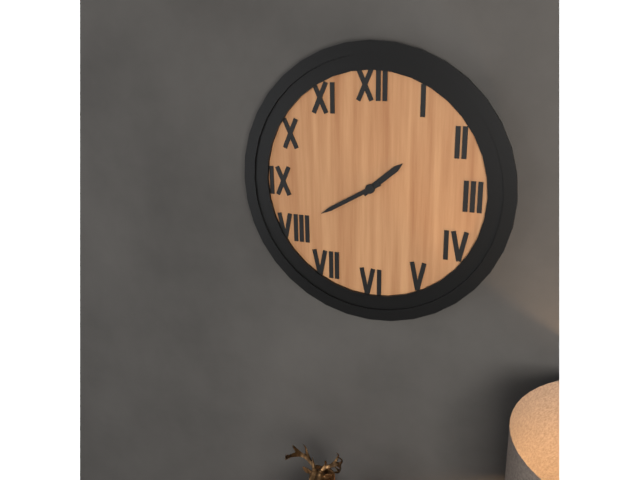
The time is **1:40**
